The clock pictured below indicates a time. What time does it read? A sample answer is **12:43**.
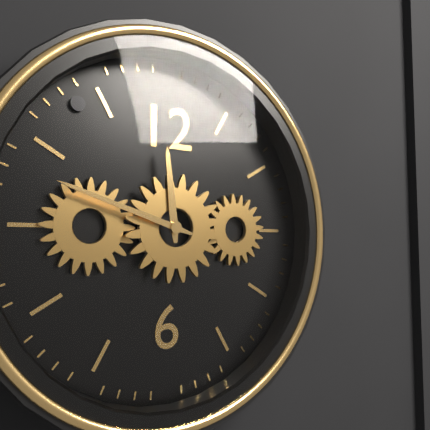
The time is **11:48**
